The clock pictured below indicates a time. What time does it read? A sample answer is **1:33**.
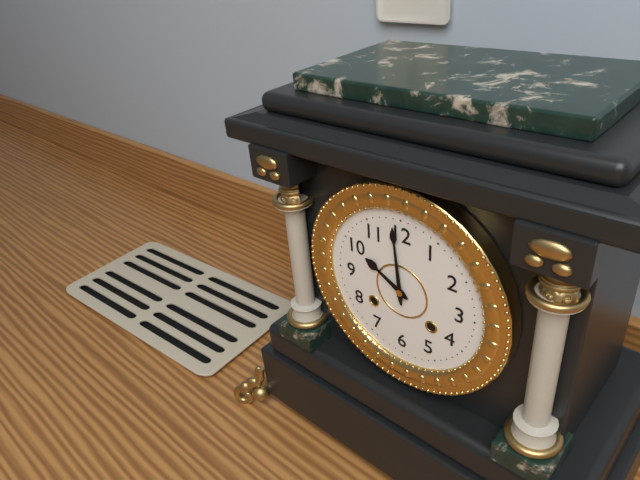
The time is **9:59**
